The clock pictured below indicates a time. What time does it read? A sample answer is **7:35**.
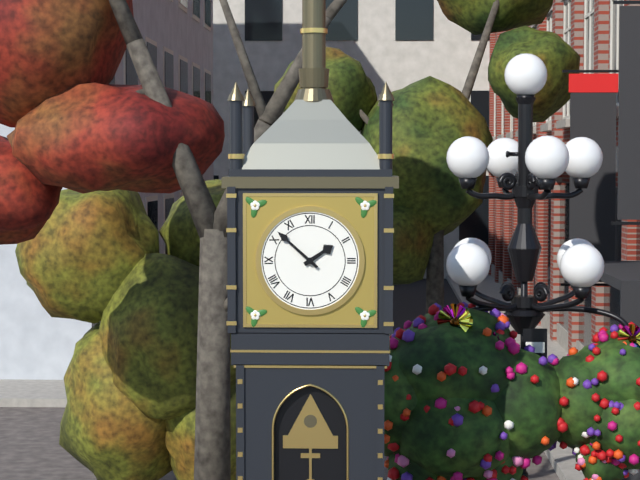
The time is **1:52**
